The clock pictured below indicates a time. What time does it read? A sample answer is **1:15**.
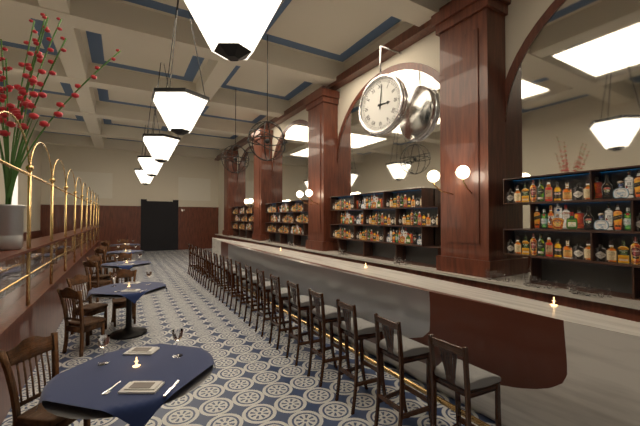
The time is **3:01**
